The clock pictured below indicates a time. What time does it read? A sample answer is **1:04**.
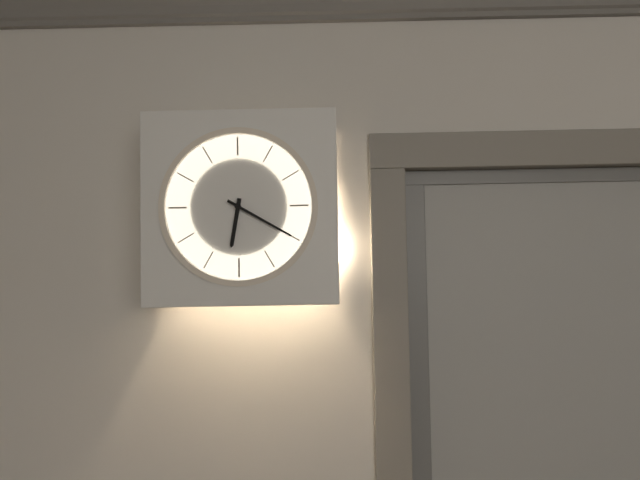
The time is **6:20**
